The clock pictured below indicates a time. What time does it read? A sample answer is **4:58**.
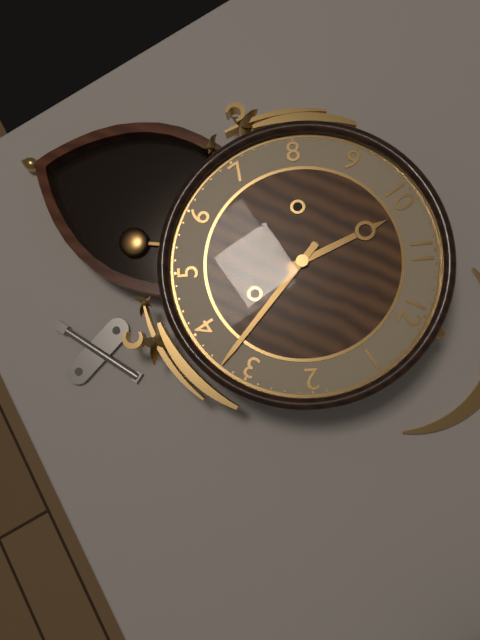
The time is **10:17**
